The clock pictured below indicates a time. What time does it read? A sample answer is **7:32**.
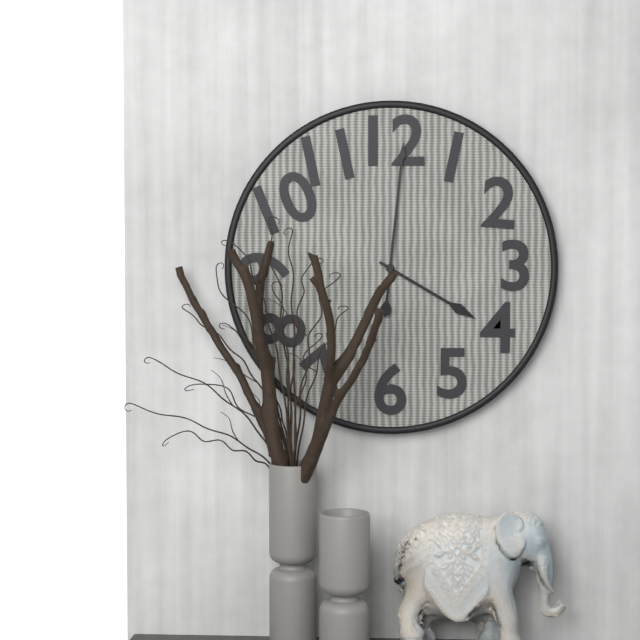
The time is **4:01**
